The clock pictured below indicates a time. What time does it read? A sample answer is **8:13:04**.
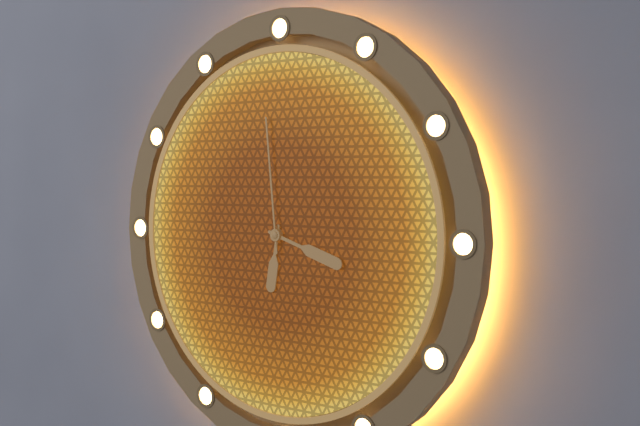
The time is **6:18:59**
